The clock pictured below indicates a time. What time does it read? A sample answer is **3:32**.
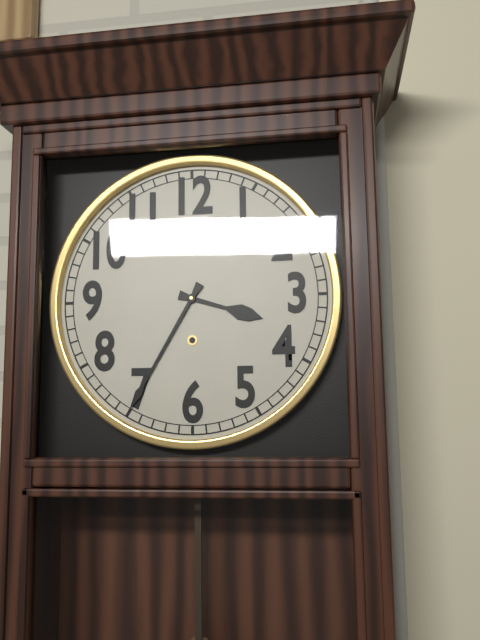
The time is **3:35**
